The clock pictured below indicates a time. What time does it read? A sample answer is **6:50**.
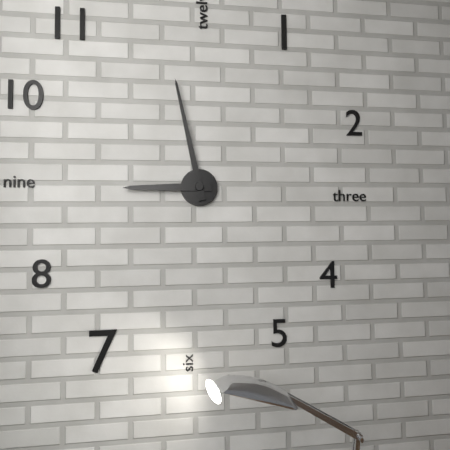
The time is **8:58**
